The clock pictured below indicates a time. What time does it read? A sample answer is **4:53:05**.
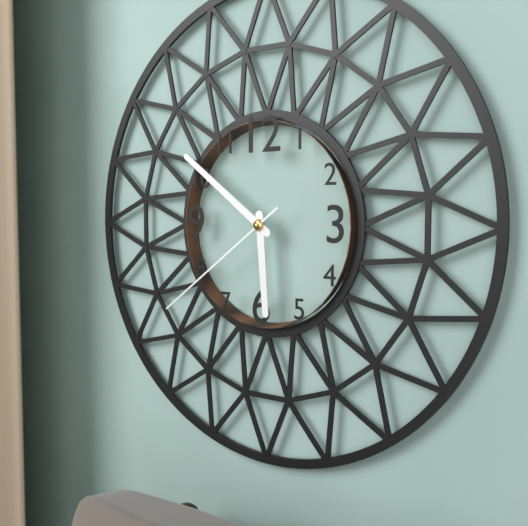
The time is **5:51:39**
